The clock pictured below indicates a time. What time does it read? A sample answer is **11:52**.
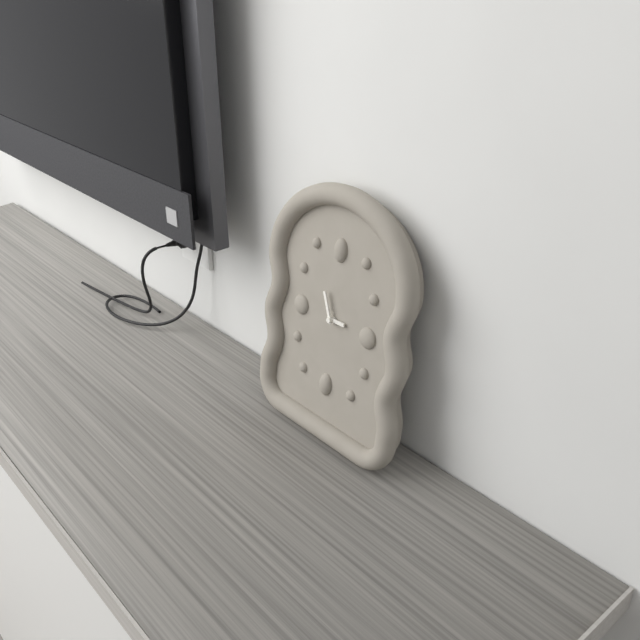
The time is **2:56**
